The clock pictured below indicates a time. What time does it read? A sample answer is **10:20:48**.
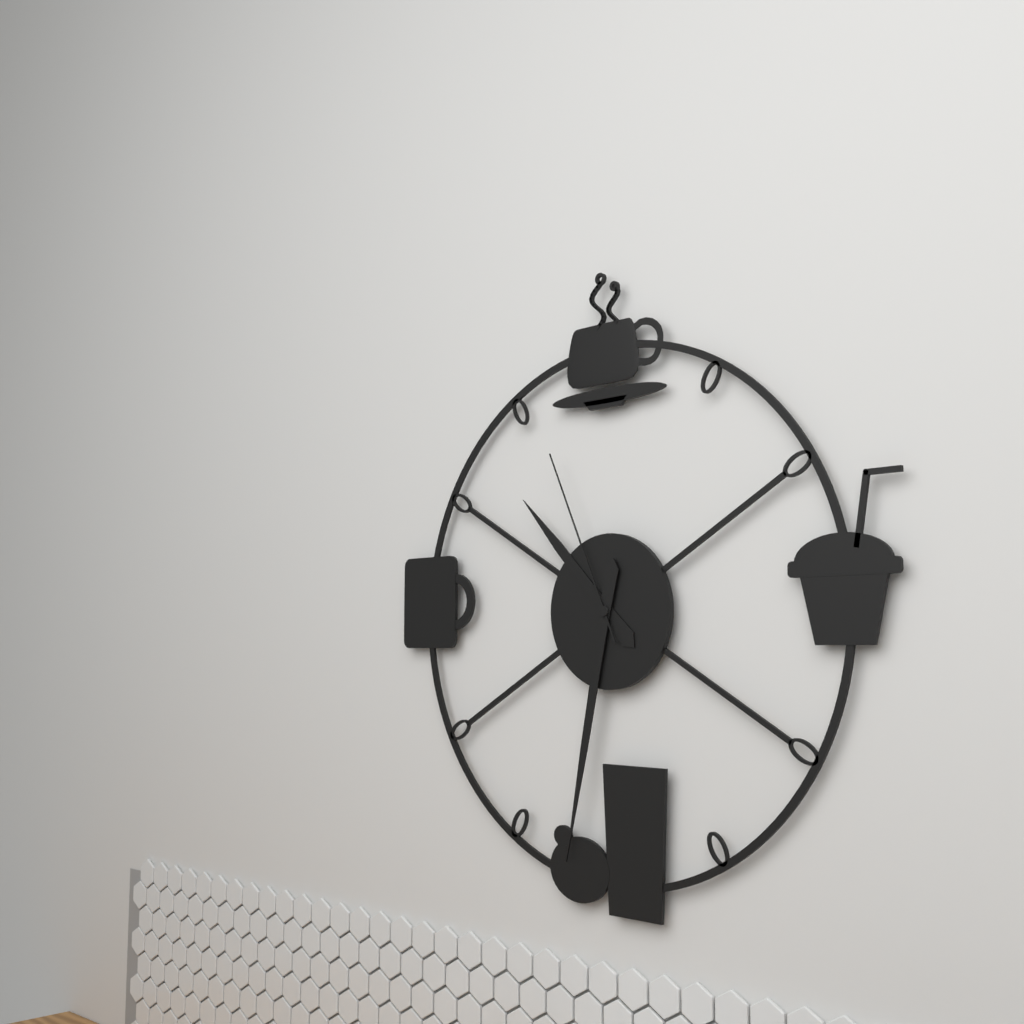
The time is **10:32:56**
